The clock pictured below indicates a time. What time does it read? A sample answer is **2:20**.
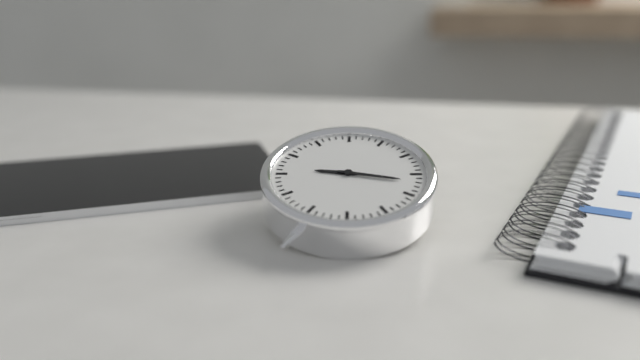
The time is **9:17**
